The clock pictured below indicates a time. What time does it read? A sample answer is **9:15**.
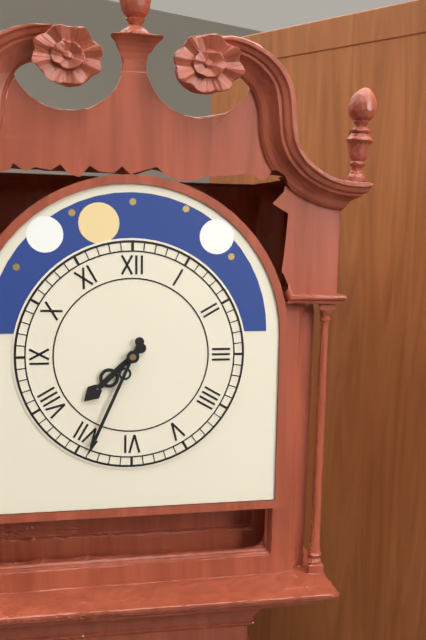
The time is **7:34**
